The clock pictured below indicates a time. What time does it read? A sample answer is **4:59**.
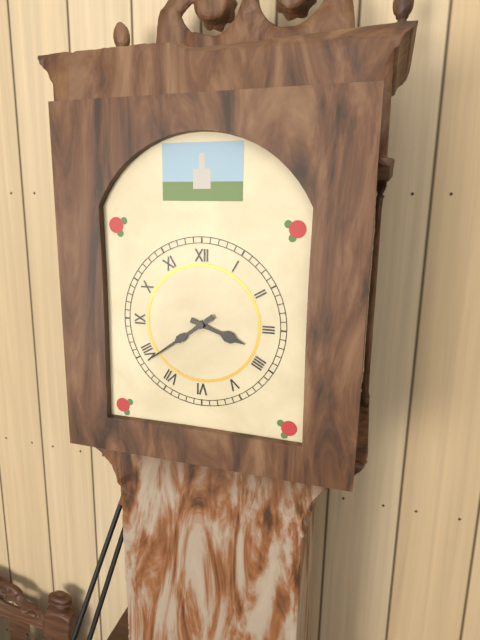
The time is **3:39**
